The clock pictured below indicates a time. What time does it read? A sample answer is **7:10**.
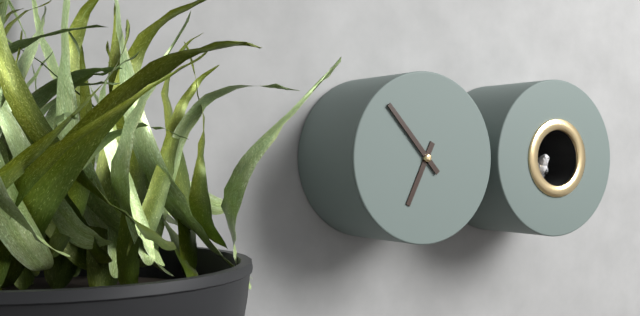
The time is **6:53**
